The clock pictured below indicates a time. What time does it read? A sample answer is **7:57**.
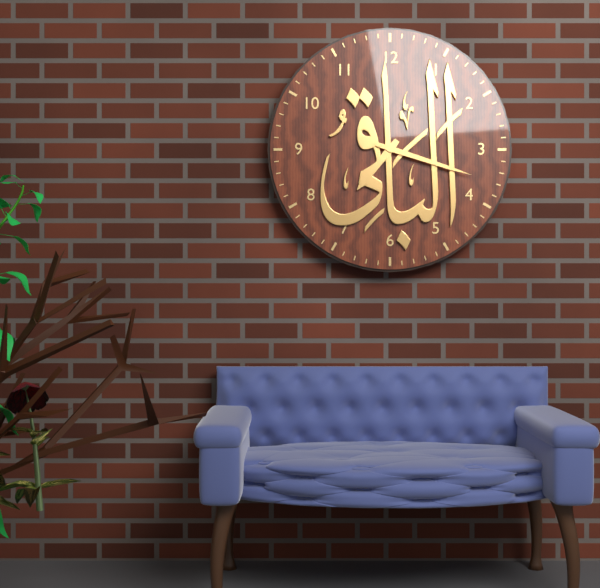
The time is **7:18**
